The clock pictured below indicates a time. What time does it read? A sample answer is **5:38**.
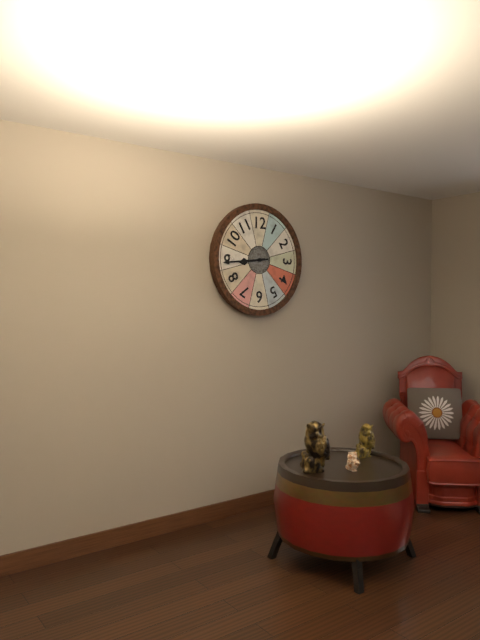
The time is **8:44**
